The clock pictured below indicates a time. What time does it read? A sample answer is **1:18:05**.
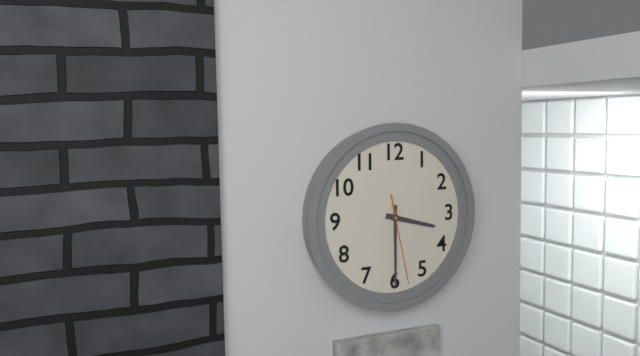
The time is **3:30:28**
